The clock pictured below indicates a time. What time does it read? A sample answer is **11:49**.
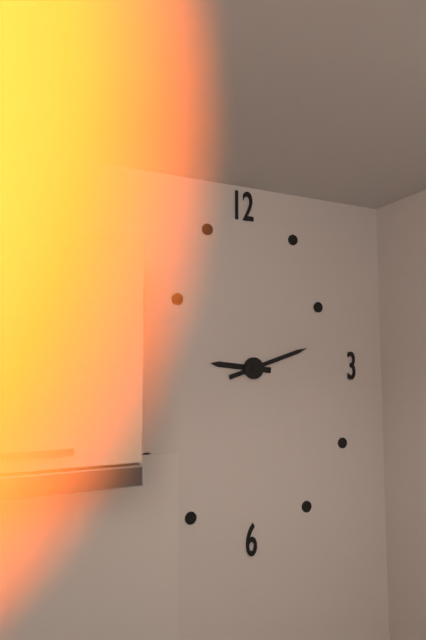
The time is **9:12**
